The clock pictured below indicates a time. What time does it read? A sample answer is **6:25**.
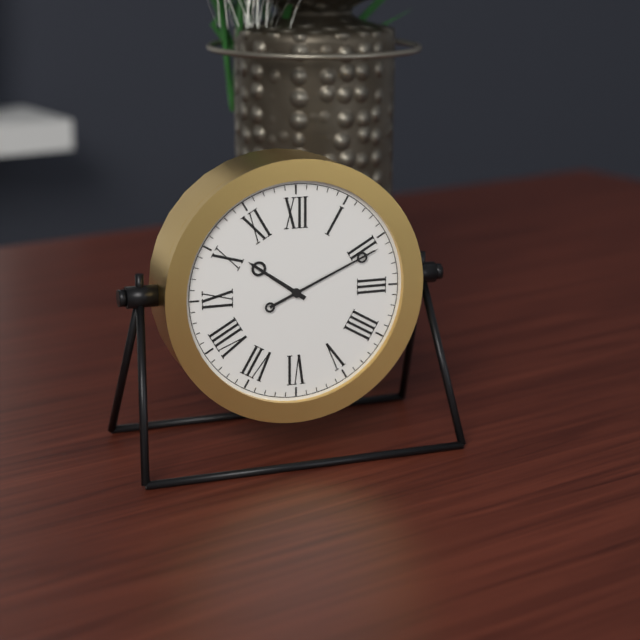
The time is **10:11**
